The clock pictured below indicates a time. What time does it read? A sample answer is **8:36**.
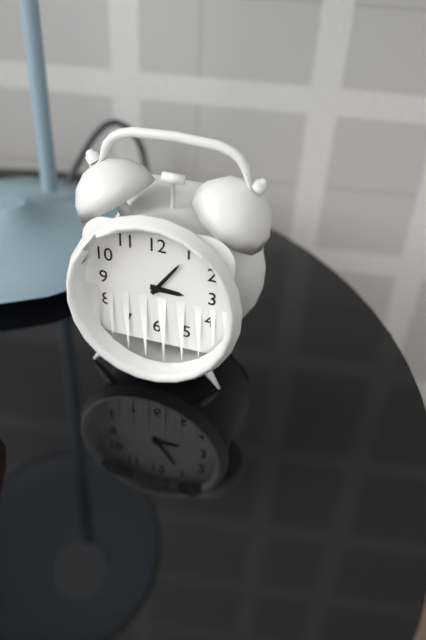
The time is **3:06**
